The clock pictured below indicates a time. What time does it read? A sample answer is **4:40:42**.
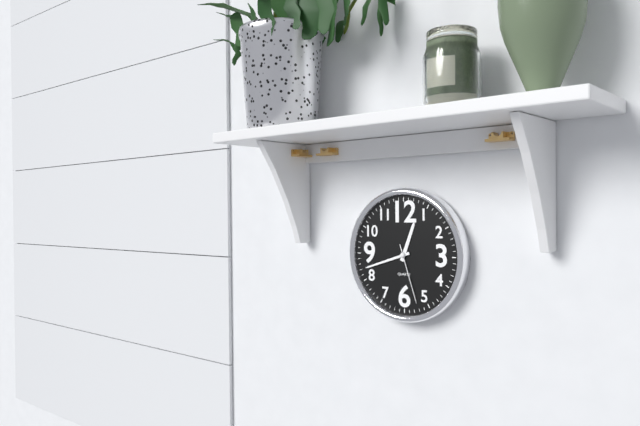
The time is **12:42:27**
